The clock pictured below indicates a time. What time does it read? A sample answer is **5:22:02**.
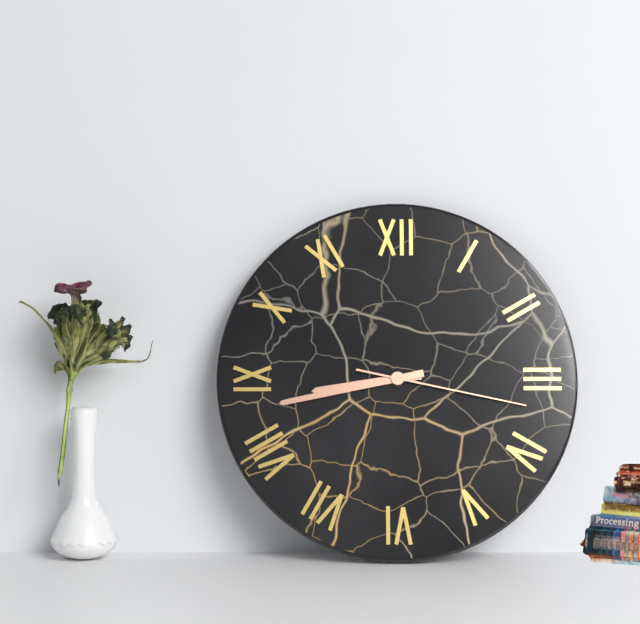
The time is **8:43:17**
